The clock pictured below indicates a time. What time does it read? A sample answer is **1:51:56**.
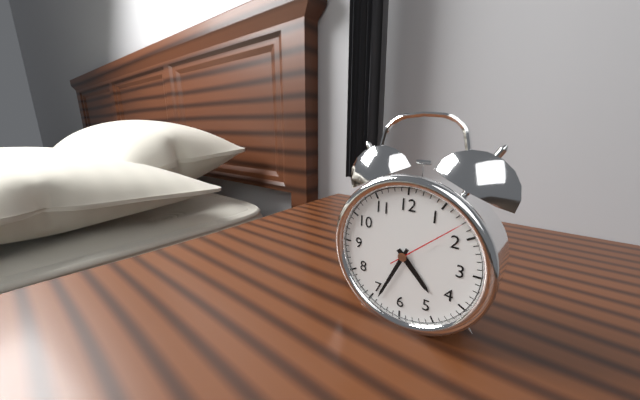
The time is **4:34:08**
